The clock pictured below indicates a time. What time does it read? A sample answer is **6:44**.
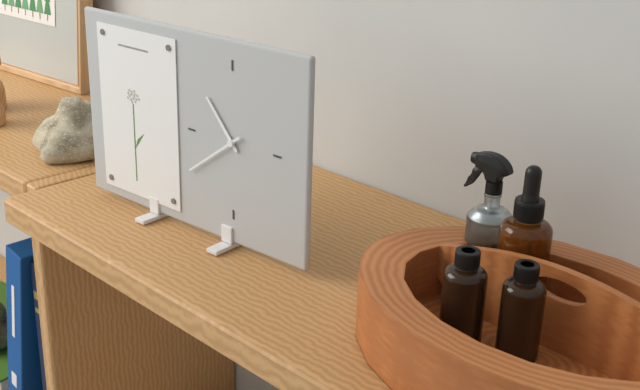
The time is **10:39**
